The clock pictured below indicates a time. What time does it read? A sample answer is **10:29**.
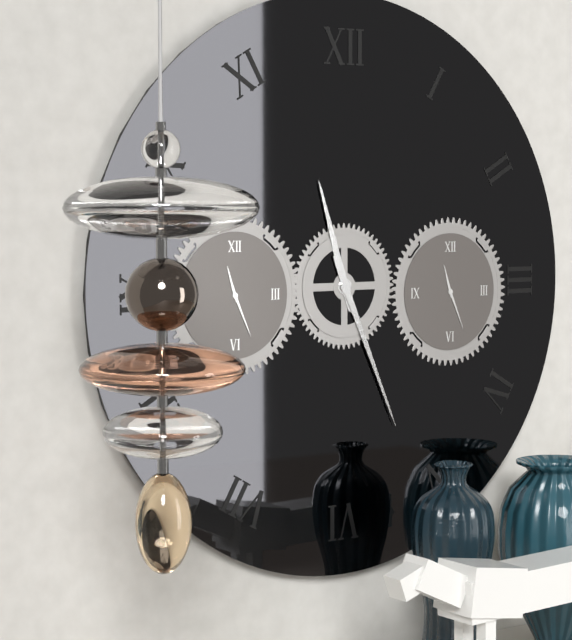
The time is **11:26**
